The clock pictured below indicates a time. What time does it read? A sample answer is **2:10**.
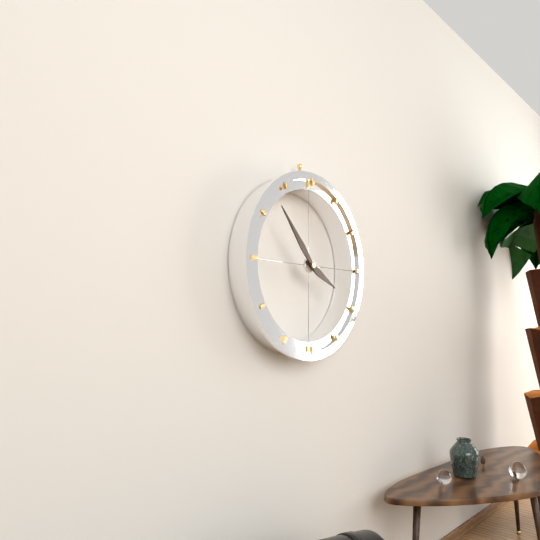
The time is **3:53**
